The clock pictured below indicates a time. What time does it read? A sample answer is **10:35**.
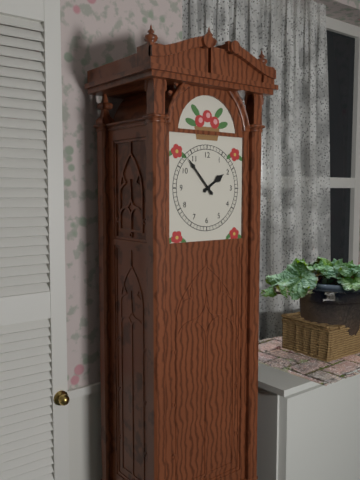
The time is **1:53**
